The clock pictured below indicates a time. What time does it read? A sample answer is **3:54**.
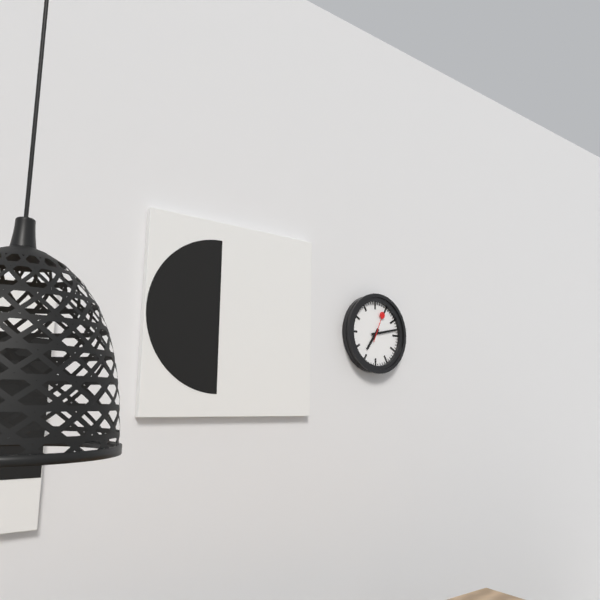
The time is **7:13**
